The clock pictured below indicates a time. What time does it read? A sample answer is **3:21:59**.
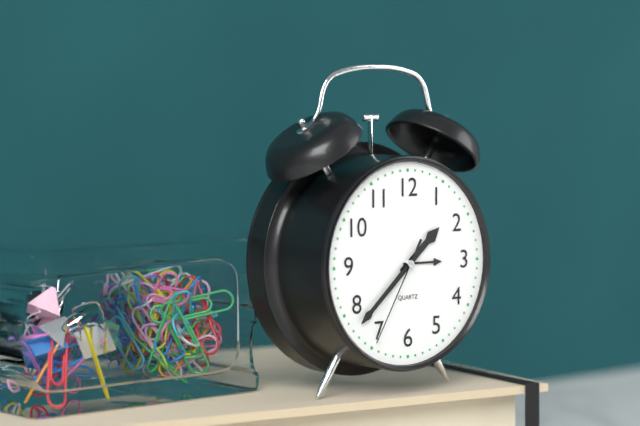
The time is **1:38:35**
